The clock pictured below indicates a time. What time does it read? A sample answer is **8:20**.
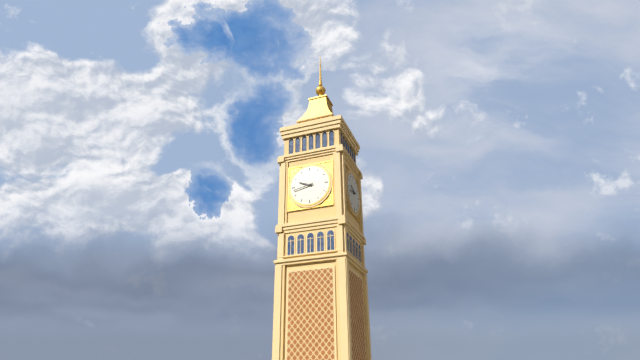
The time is **9:43**
